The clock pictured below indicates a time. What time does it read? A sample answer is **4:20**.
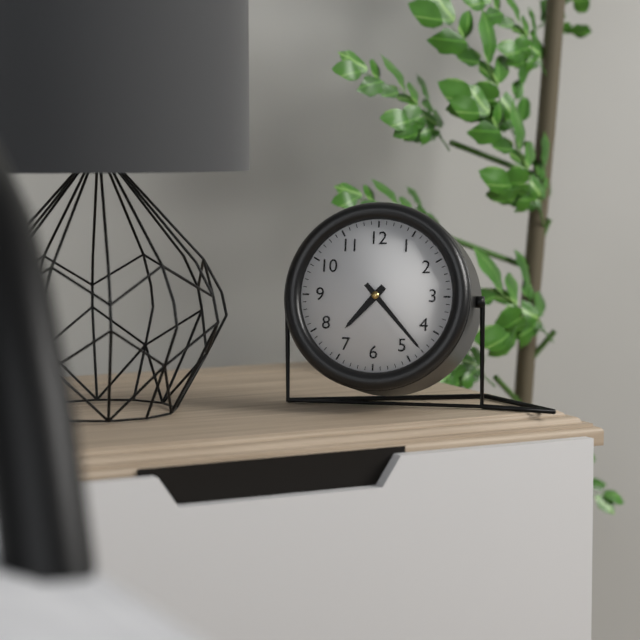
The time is **7:23**
